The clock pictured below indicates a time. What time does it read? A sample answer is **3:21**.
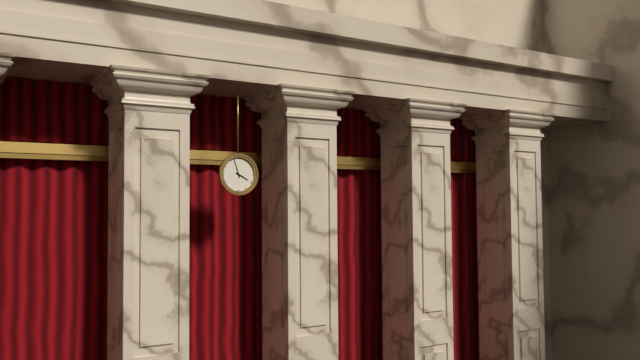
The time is **3:57**
